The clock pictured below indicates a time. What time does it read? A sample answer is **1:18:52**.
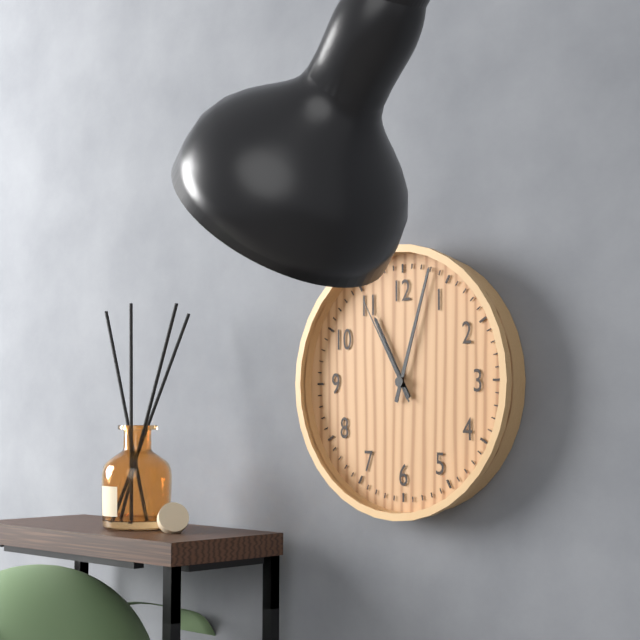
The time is **11:03:55**
